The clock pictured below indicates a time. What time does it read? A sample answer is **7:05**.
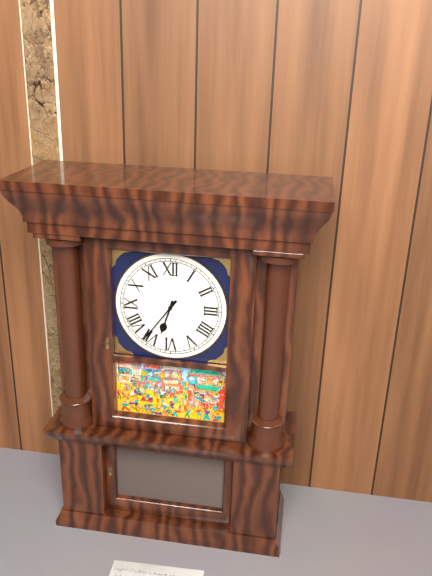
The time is **6:36**
